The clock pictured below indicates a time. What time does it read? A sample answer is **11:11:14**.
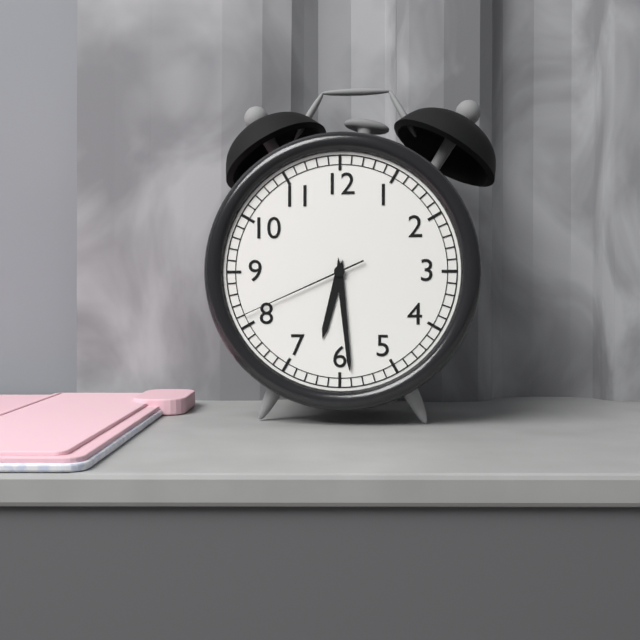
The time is **6:29:41**
